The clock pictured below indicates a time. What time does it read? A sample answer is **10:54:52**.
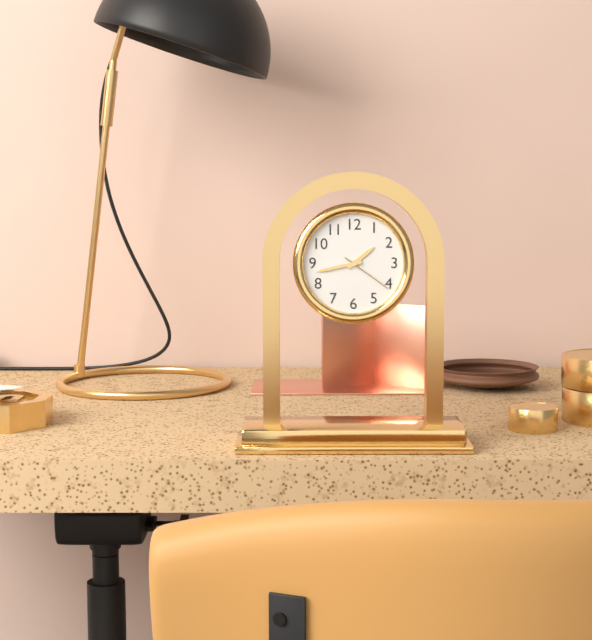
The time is **1:43:21**
